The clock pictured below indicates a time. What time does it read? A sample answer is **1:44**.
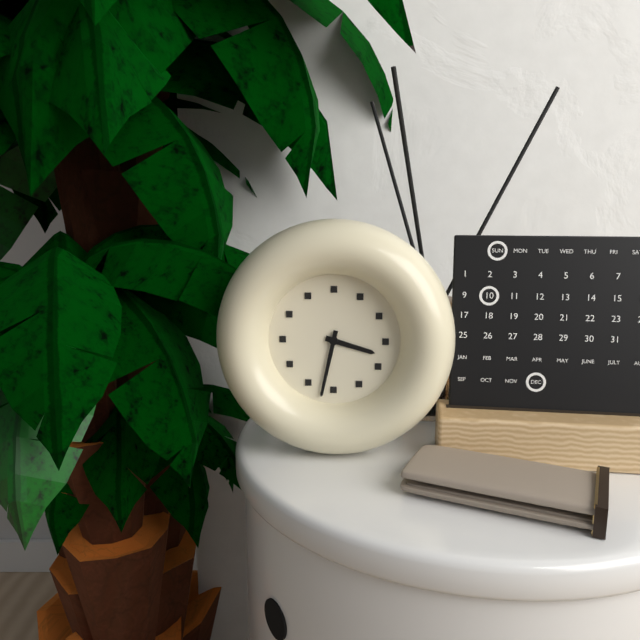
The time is **3:32**
